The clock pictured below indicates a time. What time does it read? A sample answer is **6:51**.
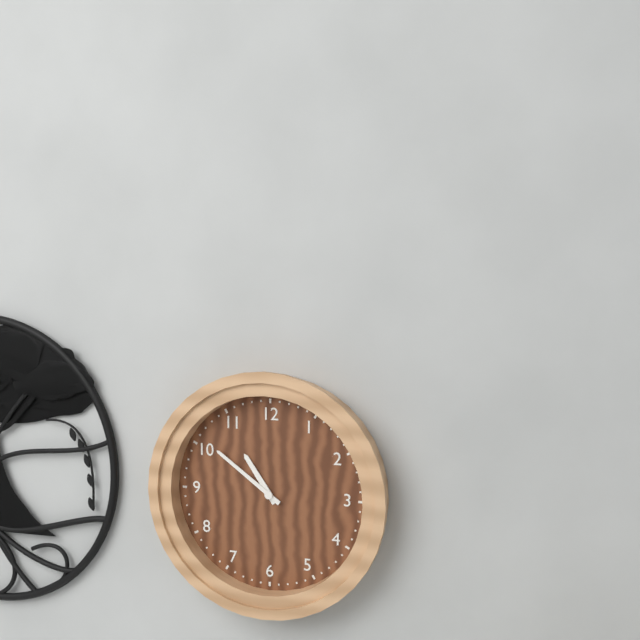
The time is **10:51**
